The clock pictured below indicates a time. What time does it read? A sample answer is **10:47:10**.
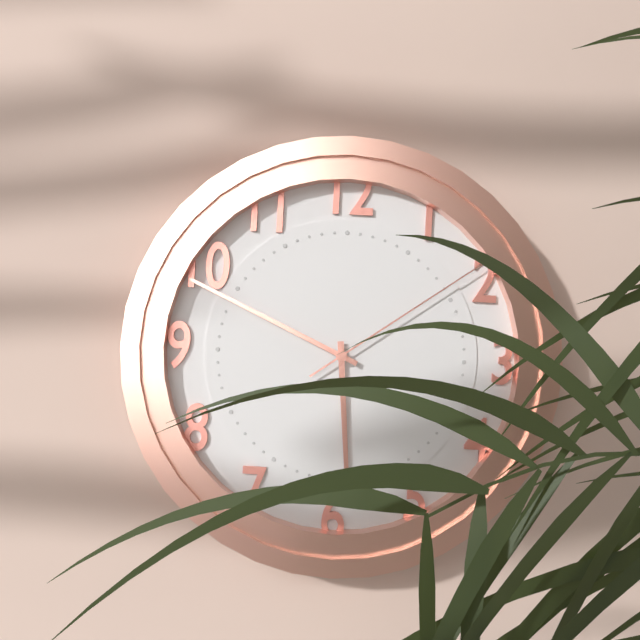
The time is **5:49:09**
